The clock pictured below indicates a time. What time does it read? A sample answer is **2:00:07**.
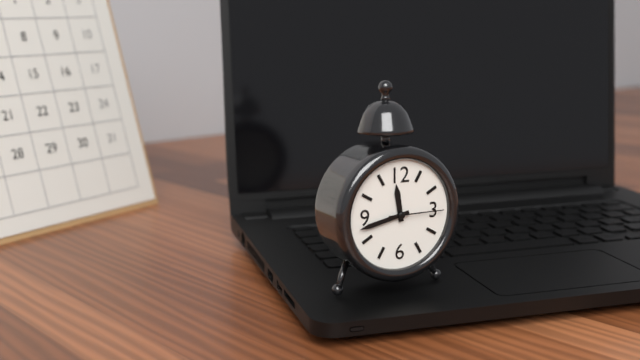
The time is **11:43:15**
